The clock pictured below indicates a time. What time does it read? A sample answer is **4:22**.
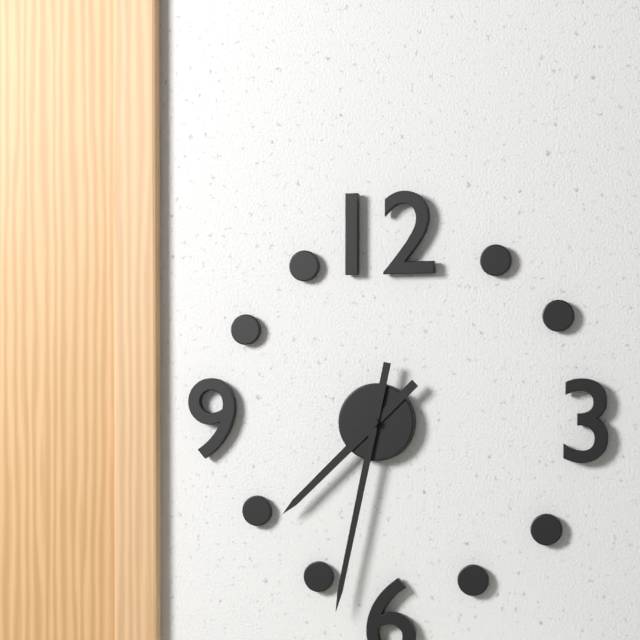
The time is **7:32**
